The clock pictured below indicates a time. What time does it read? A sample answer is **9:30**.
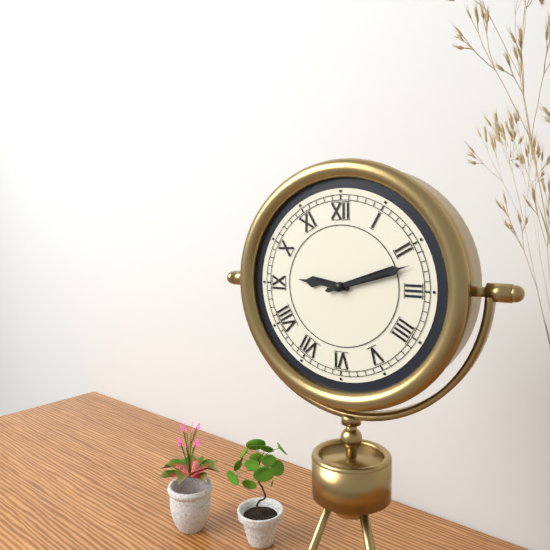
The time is **9:12**
